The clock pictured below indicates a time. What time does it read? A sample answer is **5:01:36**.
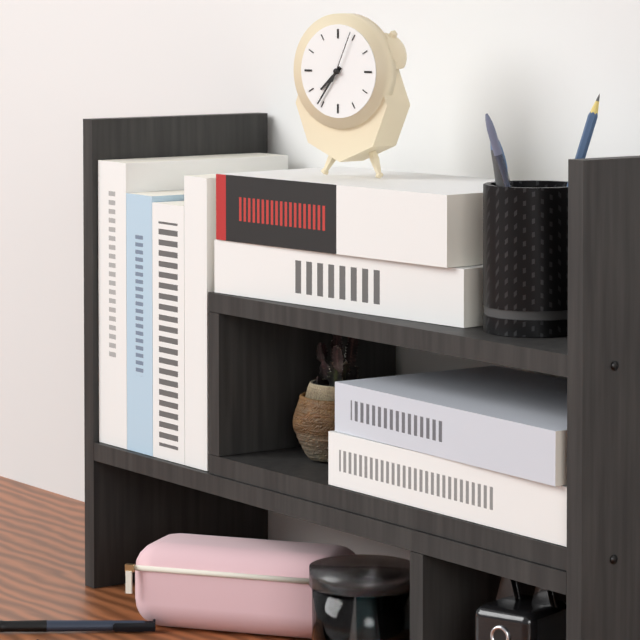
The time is **7:36:04**
